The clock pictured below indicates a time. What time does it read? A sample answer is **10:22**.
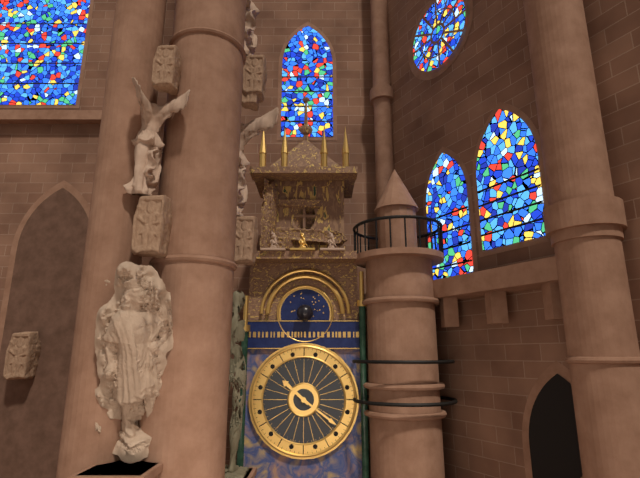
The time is **10:21**
